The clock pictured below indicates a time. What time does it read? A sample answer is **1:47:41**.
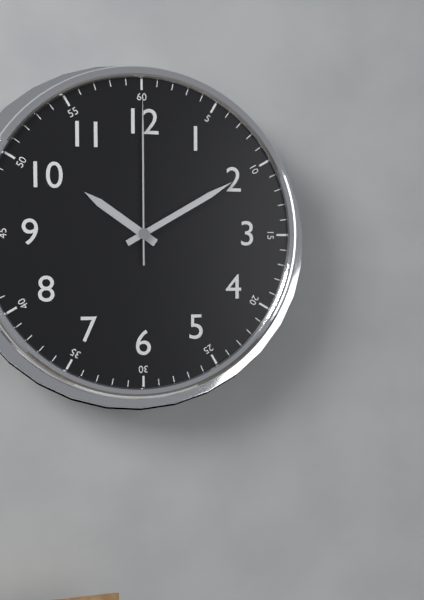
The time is **10:10:00**
